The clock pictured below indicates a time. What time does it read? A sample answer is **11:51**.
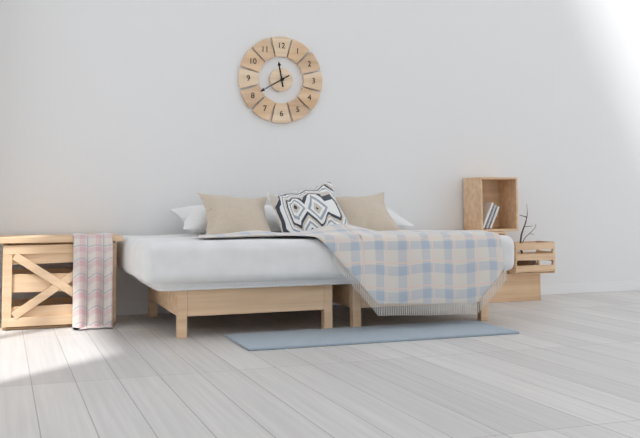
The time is **11:40**
